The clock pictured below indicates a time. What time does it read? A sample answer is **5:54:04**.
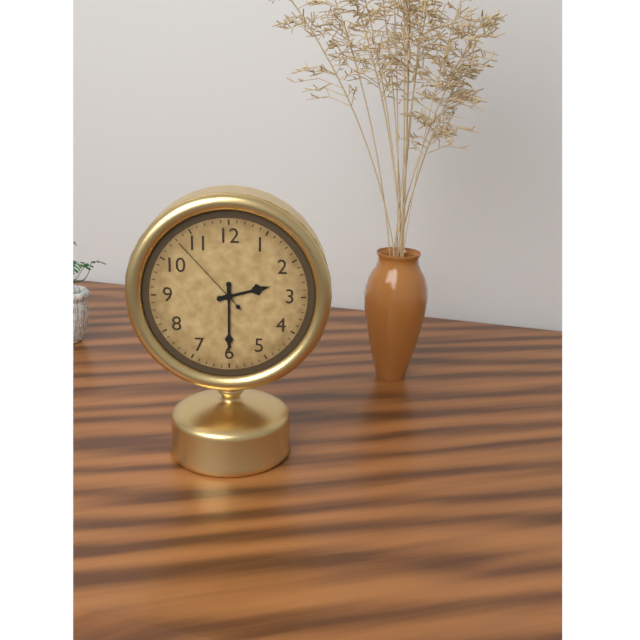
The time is **2:30:53**
